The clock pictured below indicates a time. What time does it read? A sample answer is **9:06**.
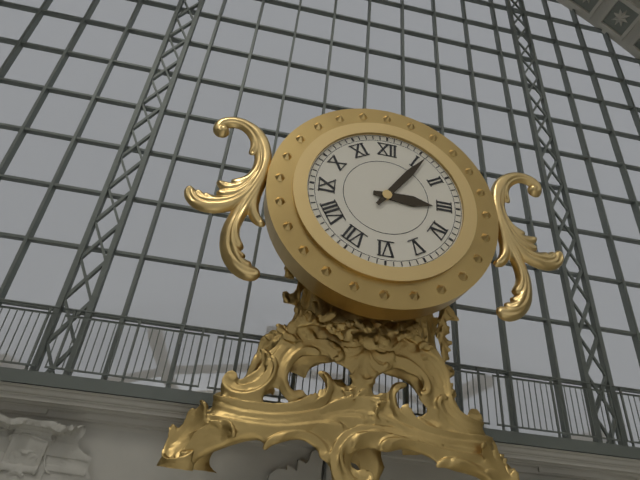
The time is **3:06**
